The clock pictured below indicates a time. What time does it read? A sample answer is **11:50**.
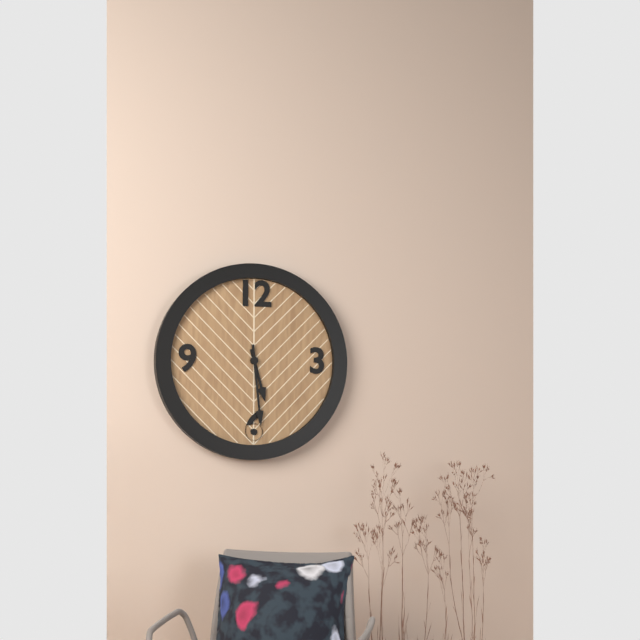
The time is **5:29**
